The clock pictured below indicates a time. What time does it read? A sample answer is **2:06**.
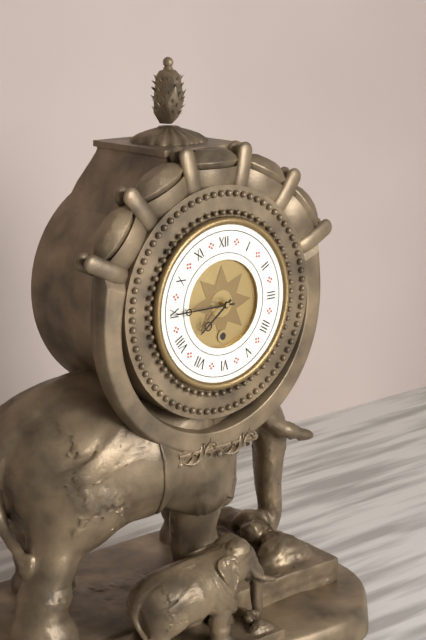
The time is **7:45**
